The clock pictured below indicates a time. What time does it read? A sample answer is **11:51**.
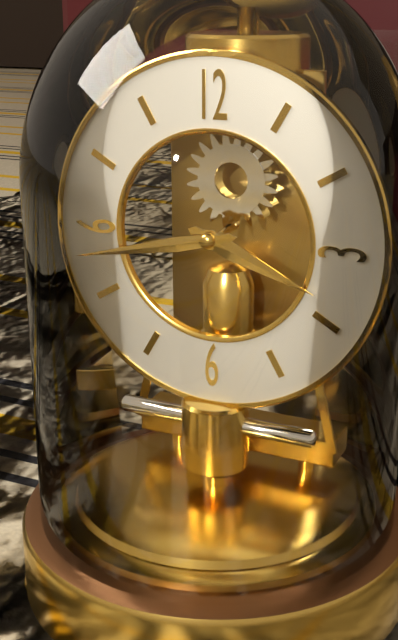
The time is **3:43**
